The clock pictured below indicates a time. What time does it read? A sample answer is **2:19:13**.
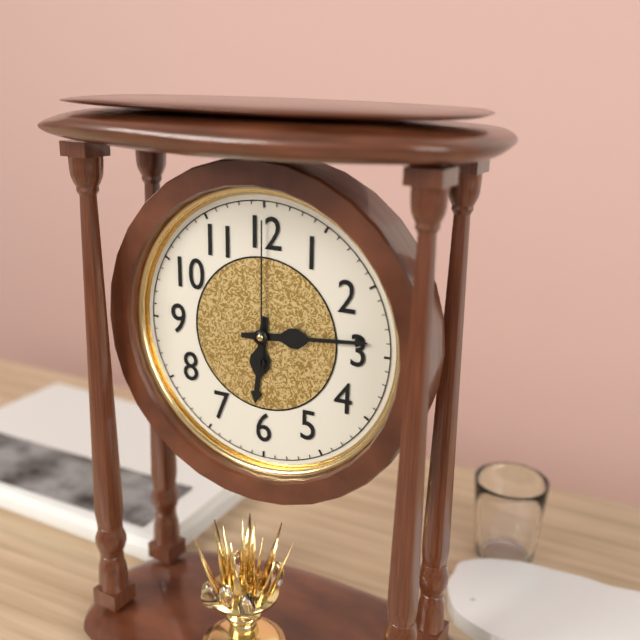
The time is **6:14:00**
